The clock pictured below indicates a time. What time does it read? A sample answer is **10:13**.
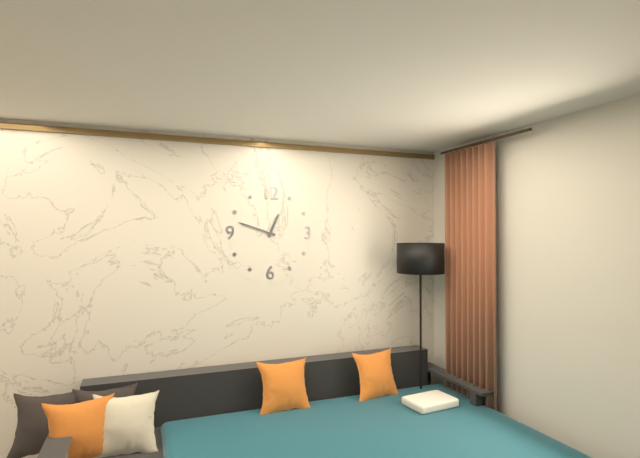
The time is **12:48**
